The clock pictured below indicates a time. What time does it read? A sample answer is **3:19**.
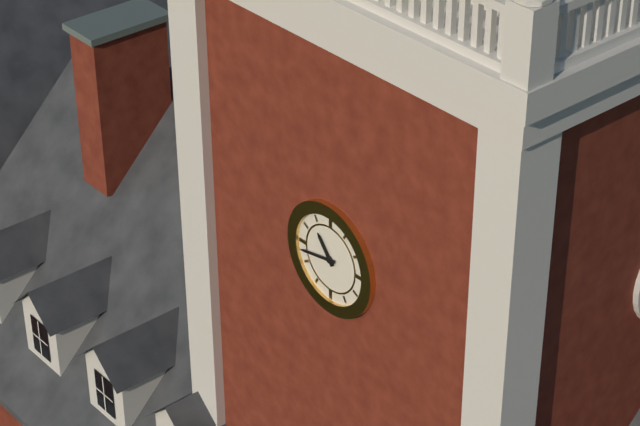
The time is **10:43**
